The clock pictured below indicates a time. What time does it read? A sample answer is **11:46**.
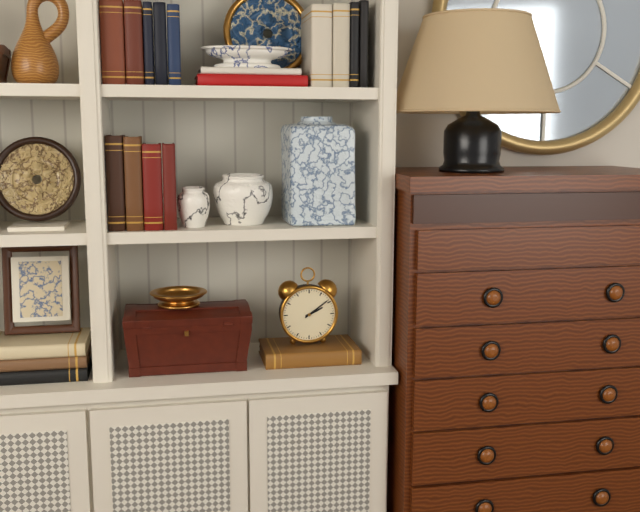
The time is **2:09**
